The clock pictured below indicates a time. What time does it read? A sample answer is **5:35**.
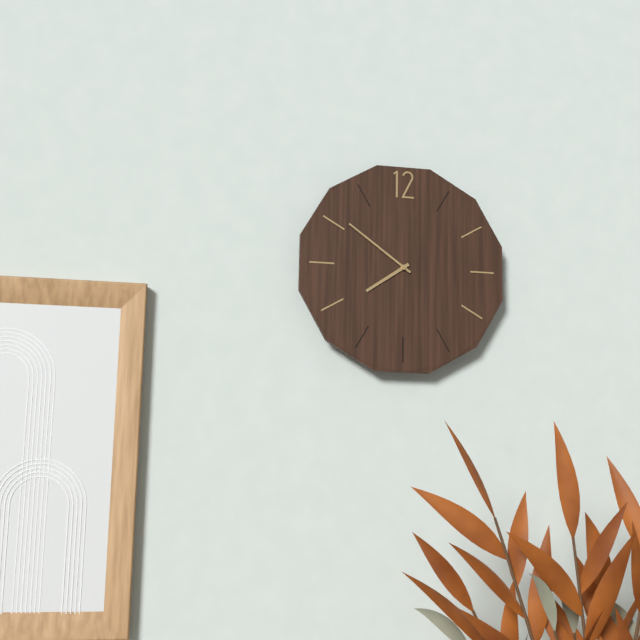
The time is **7:51**
